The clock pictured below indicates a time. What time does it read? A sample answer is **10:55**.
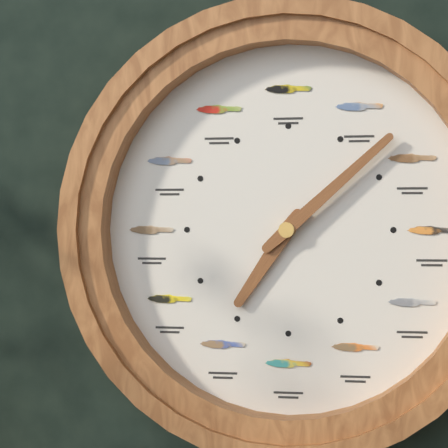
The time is **7:08**
